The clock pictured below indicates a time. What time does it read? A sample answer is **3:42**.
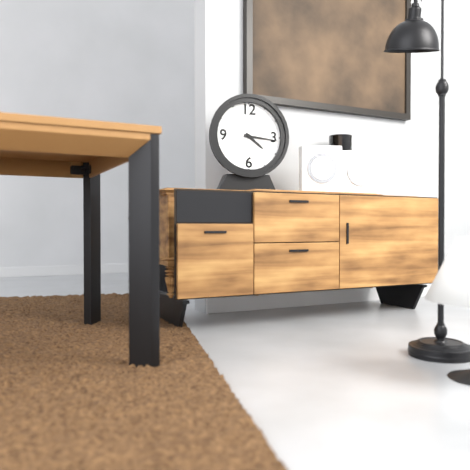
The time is **4:16**
